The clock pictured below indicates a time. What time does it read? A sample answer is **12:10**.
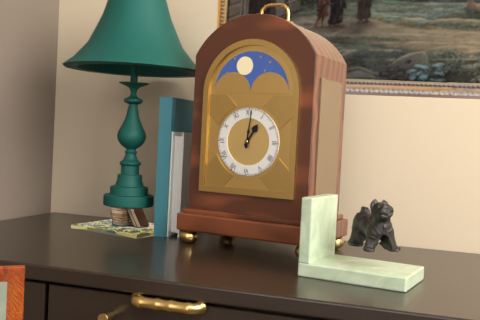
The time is **1:01**
